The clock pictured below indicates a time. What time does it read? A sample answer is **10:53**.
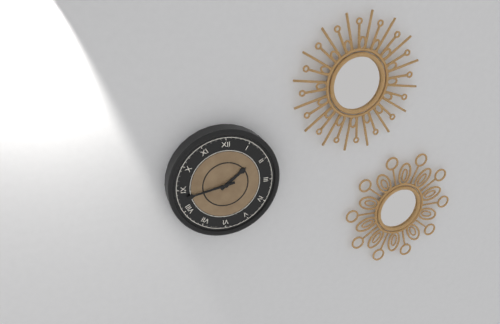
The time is **1:43**
